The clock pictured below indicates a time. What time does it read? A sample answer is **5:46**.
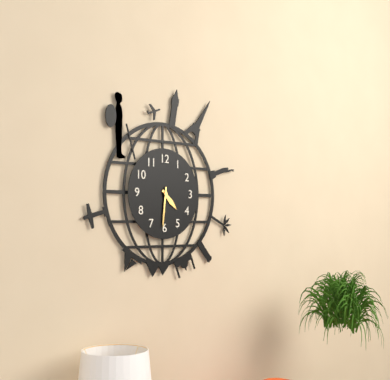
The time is **4:31**
